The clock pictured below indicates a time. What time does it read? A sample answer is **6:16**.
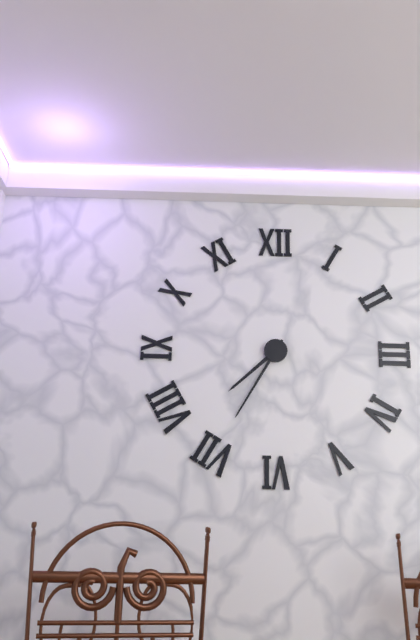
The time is **7:35**
